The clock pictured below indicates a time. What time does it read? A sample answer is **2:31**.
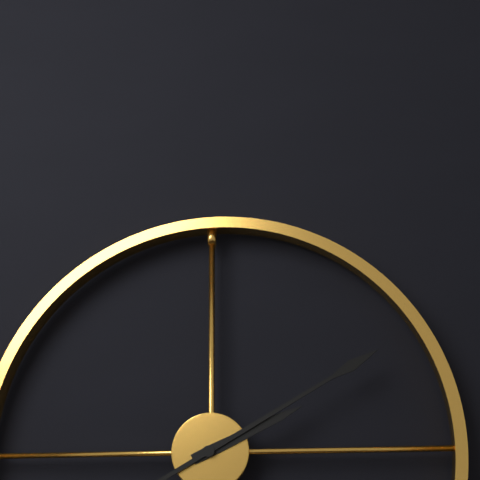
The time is **2:10**
